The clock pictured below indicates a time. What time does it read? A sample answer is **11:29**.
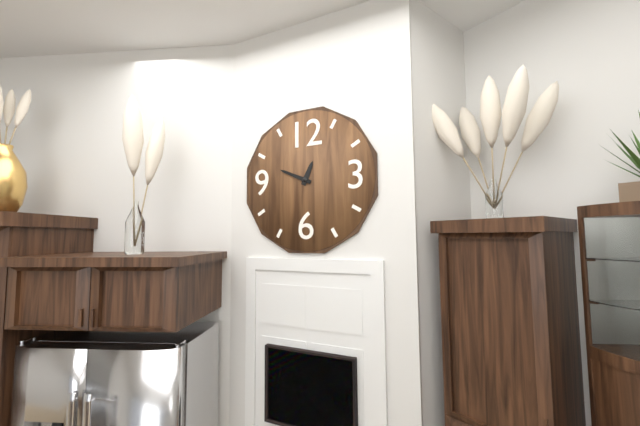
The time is **12:49**
